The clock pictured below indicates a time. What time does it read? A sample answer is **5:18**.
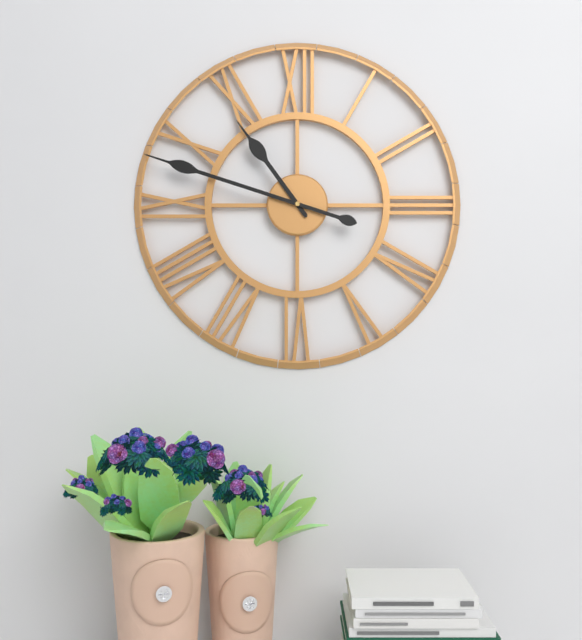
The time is **10:48**
